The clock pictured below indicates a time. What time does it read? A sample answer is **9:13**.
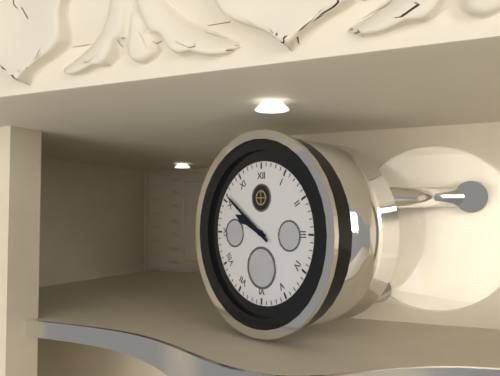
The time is **9:51**
